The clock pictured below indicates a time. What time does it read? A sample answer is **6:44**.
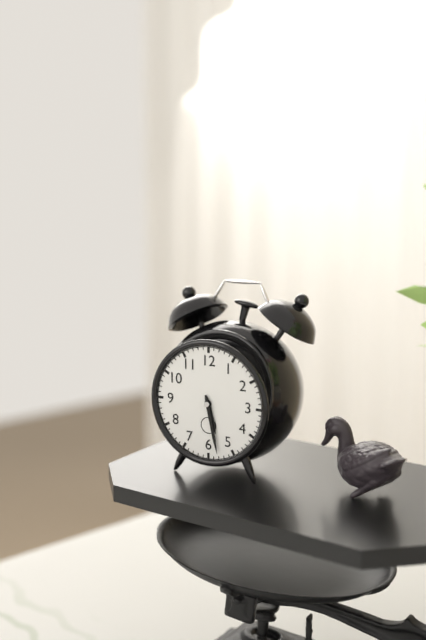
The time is **5:28**
